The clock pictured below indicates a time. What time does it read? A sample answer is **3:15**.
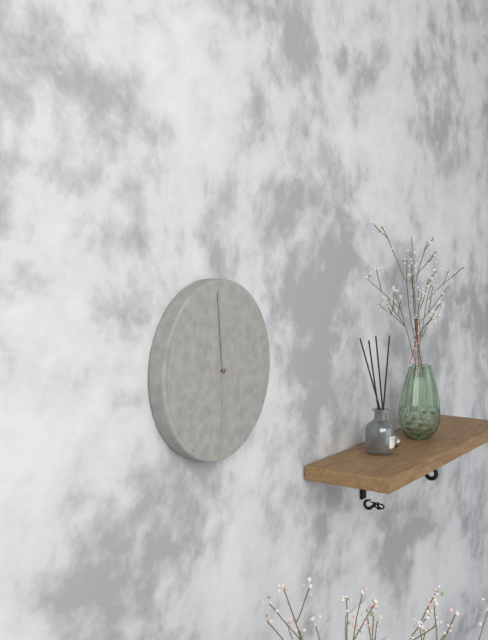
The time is **5:59**
